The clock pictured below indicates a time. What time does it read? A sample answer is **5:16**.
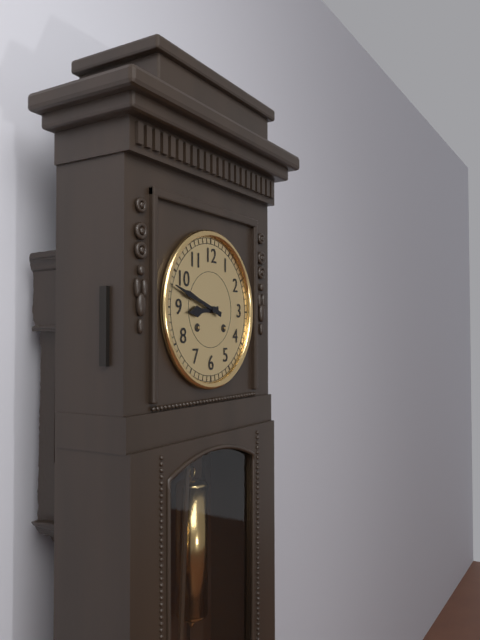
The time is **8:48**
